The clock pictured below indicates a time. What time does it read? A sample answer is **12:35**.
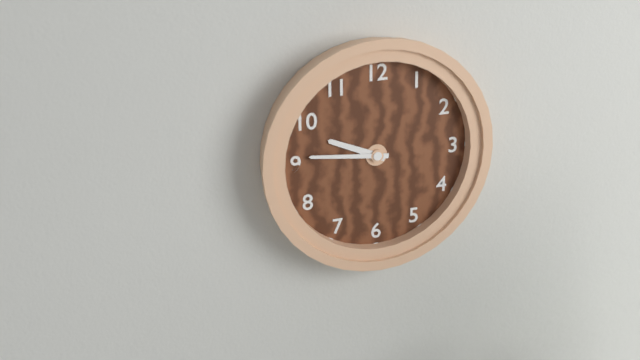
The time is **9:46**
